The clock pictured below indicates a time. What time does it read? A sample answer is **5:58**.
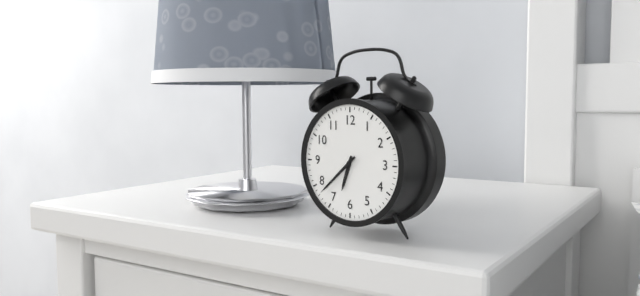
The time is **6:38**
